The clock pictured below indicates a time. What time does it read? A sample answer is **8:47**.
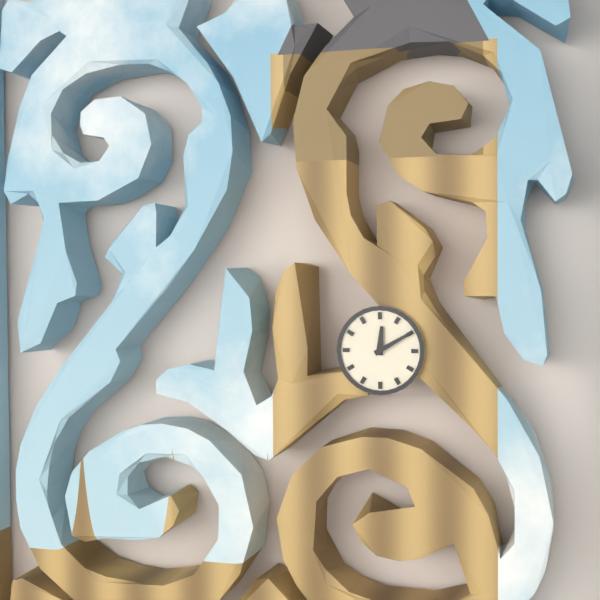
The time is **12:10**
